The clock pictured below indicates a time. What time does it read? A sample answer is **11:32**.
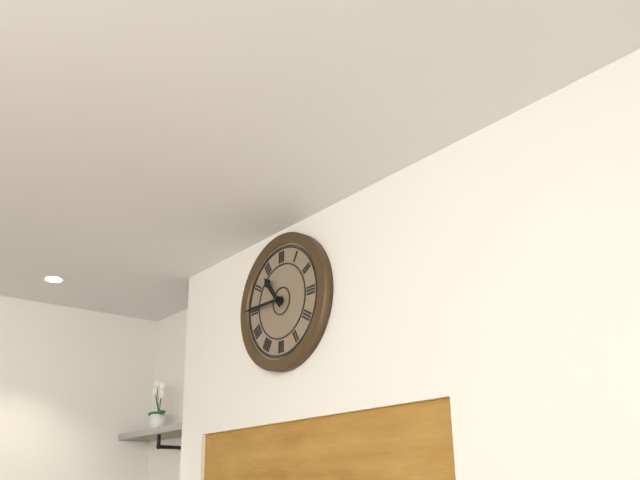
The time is **10:45**
